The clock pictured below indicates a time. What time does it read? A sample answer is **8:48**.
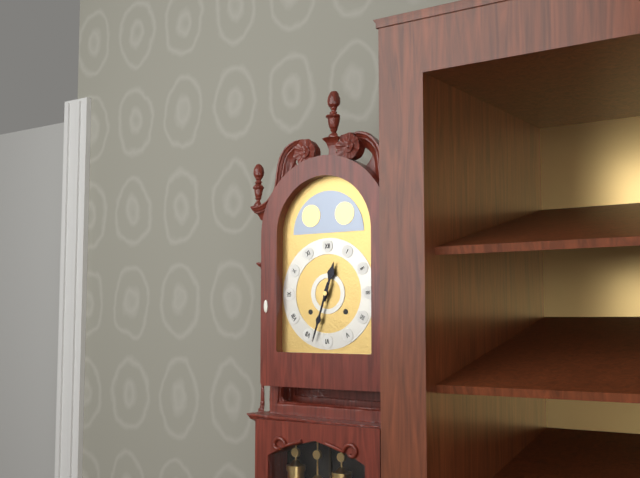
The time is **12:33**
